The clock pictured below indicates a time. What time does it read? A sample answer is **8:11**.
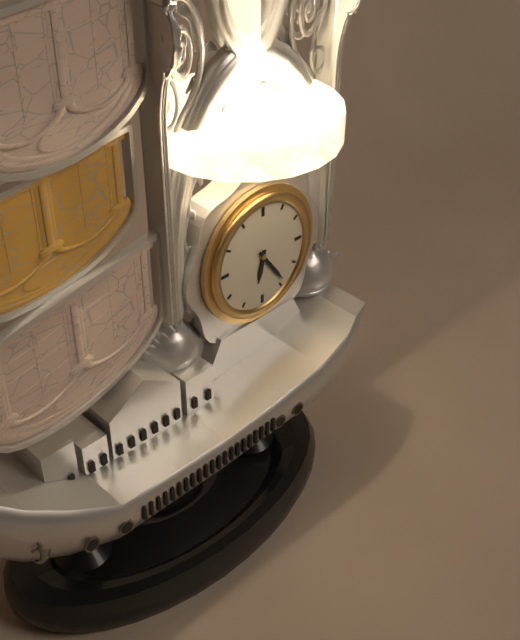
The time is **6:24**
